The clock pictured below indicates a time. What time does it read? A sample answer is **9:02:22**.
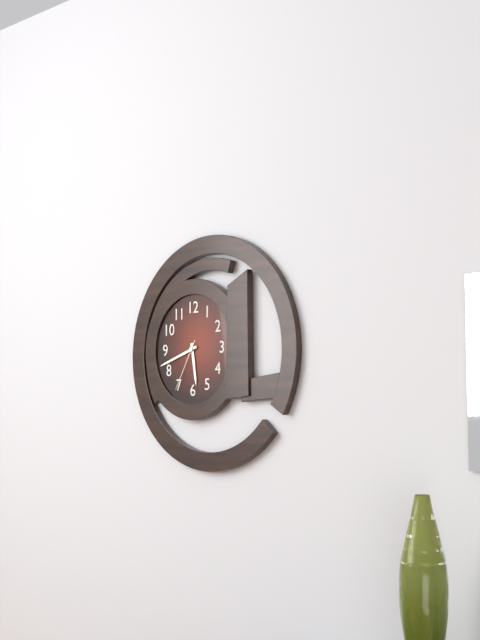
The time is **5:42:35**
